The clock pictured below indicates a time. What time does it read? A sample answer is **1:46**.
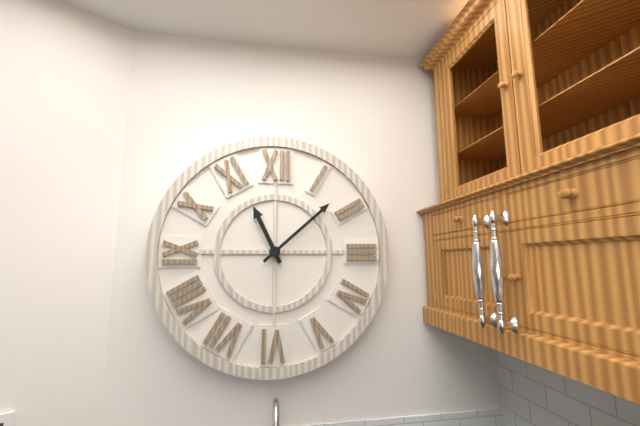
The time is **11:08**
